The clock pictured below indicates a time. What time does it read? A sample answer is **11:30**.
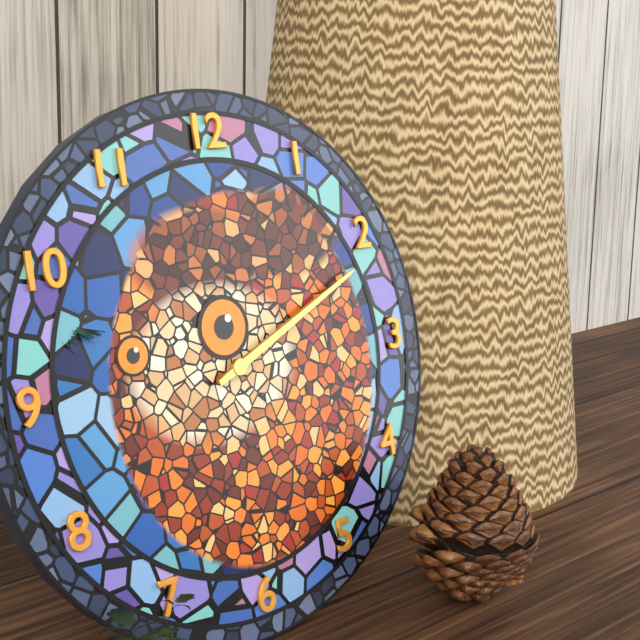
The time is **2:11**
